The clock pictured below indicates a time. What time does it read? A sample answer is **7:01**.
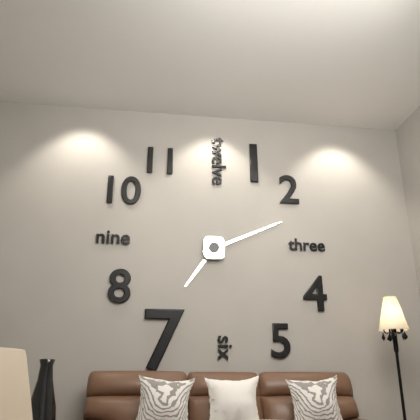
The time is **7:11**
